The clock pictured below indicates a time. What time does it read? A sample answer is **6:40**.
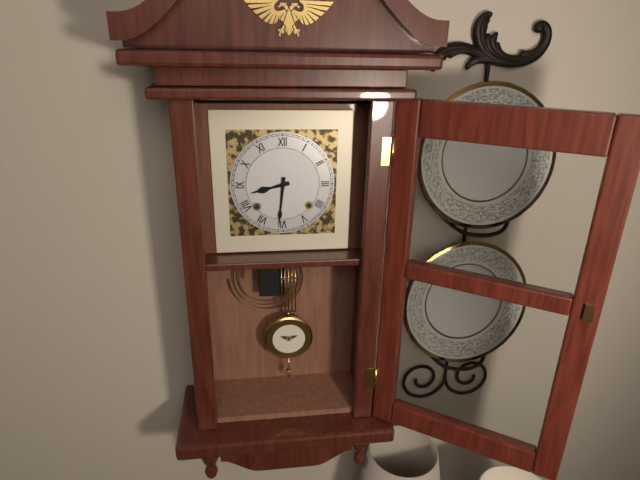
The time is **8:31**
